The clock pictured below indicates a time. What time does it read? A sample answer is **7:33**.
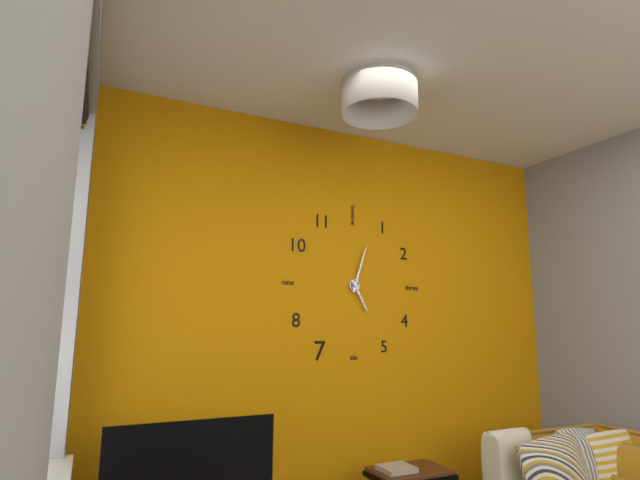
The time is **5:03**
